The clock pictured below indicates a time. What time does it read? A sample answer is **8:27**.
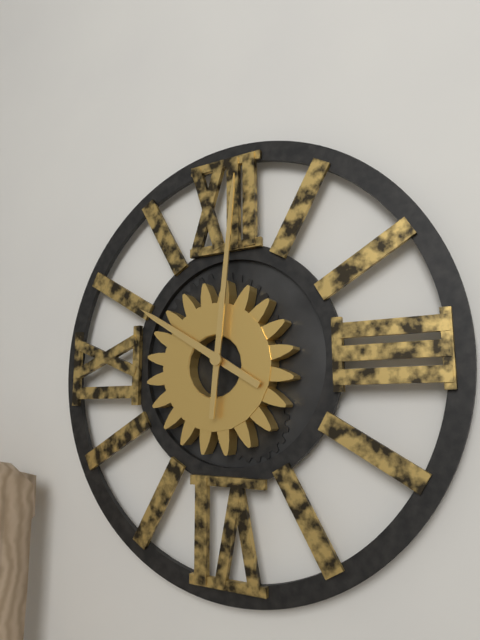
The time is **10:01**
